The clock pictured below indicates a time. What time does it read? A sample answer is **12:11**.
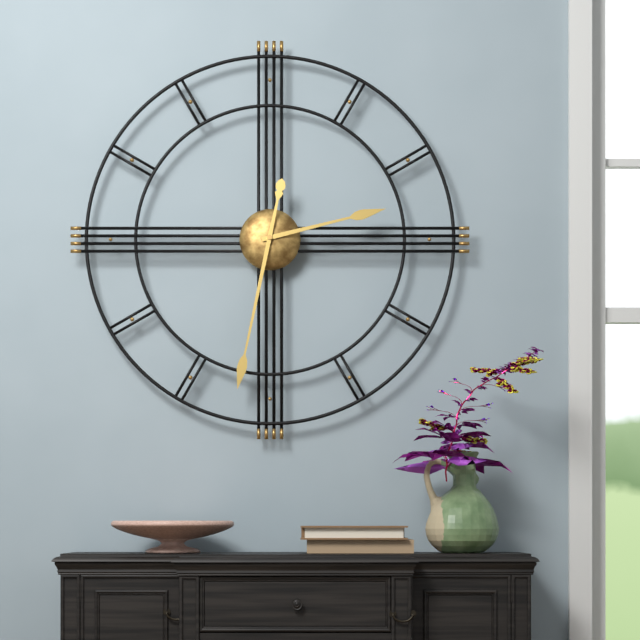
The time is **2:32**
